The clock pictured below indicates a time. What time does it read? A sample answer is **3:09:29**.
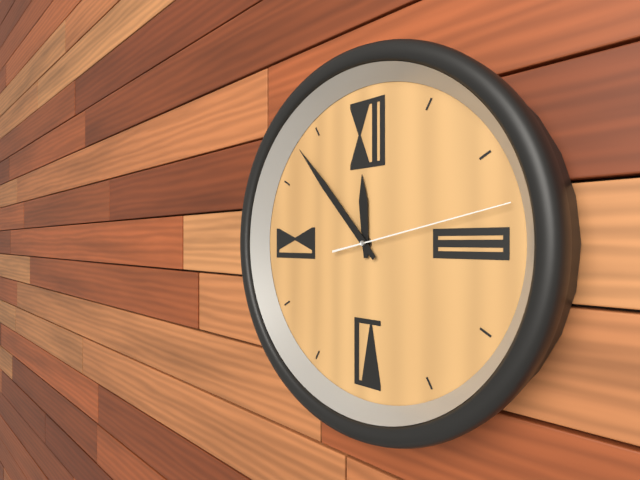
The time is **11:53:13**
